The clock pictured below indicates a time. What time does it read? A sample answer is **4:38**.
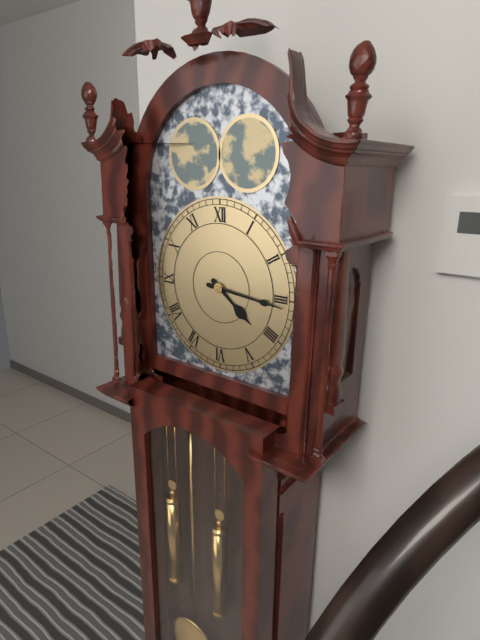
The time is **4:16**
